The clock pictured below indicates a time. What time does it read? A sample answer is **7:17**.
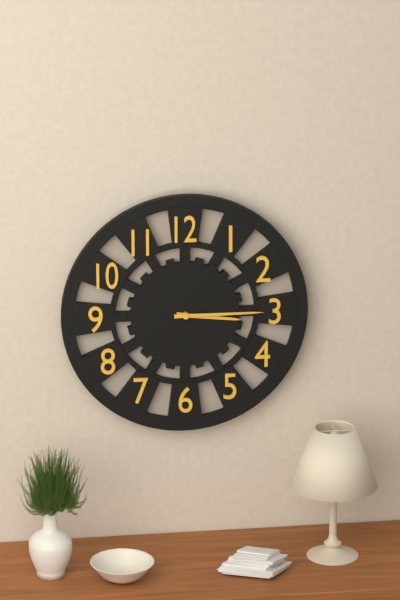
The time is **3:15**
